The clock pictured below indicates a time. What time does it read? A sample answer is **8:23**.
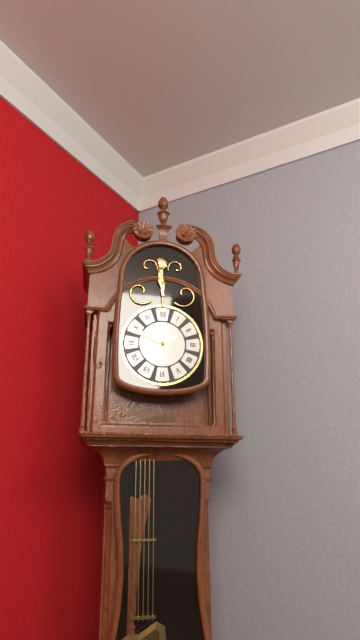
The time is **1:49**
